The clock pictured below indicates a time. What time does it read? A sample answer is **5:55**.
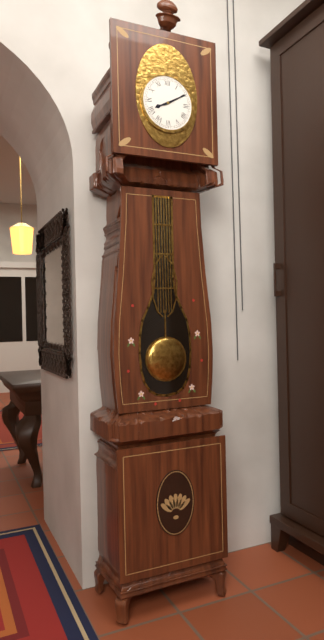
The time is **8:10**
